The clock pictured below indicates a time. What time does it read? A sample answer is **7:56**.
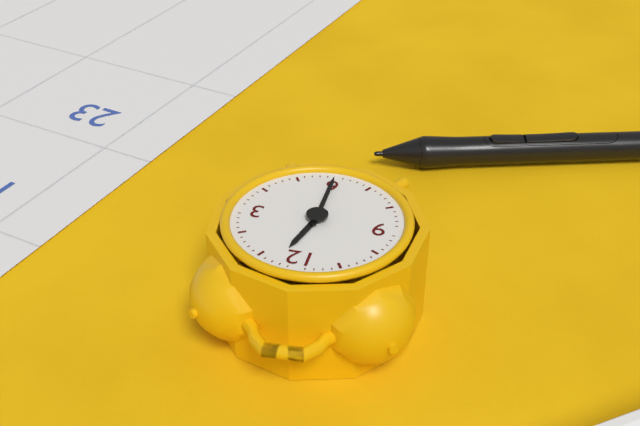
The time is **12:30**
